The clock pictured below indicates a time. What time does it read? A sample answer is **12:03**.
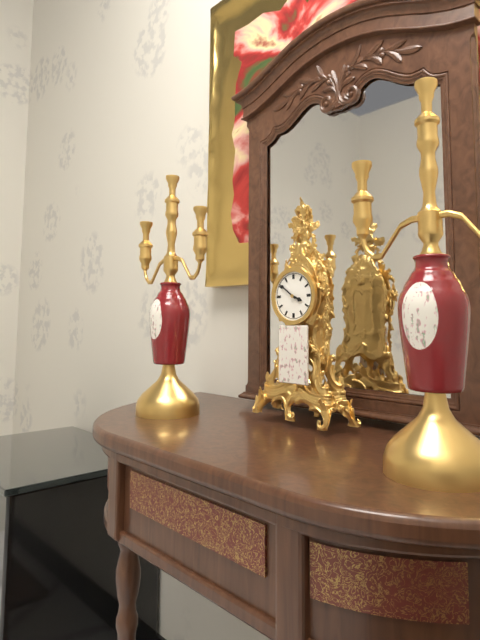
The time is **3:51**
